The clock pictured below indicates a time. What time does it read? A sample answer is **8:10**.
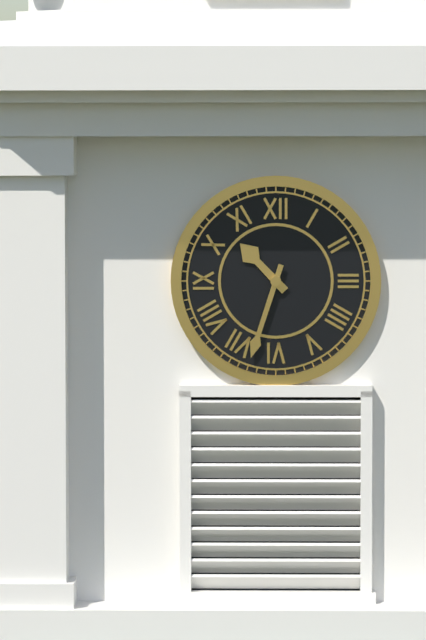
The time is **10:33**
